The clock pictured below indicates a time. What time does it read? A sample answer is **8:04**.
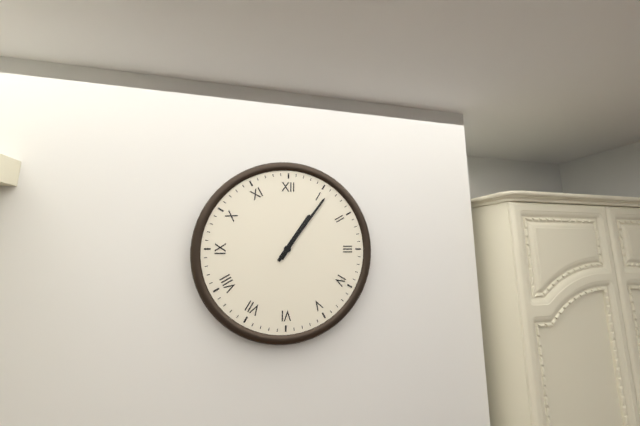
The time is **1:06**
